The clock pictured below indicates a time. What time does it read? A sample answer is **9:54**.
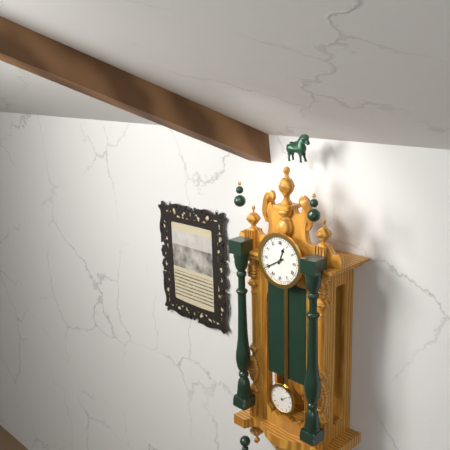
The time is **12:40**
